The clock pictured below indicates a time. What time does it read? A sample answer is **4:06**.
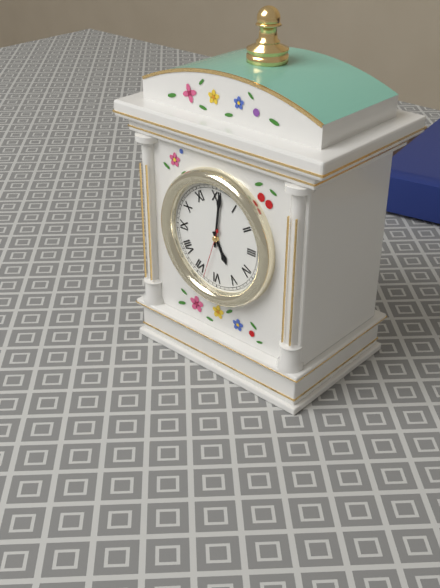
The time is **5:01**
